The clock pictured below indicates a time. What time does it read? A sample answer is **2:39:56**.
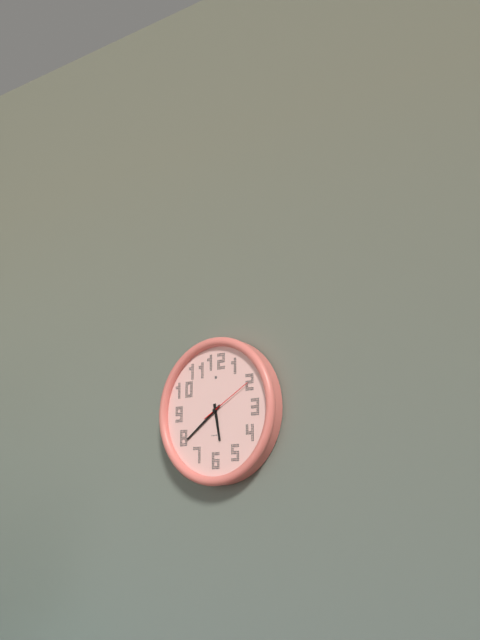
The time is **5:39:10**
